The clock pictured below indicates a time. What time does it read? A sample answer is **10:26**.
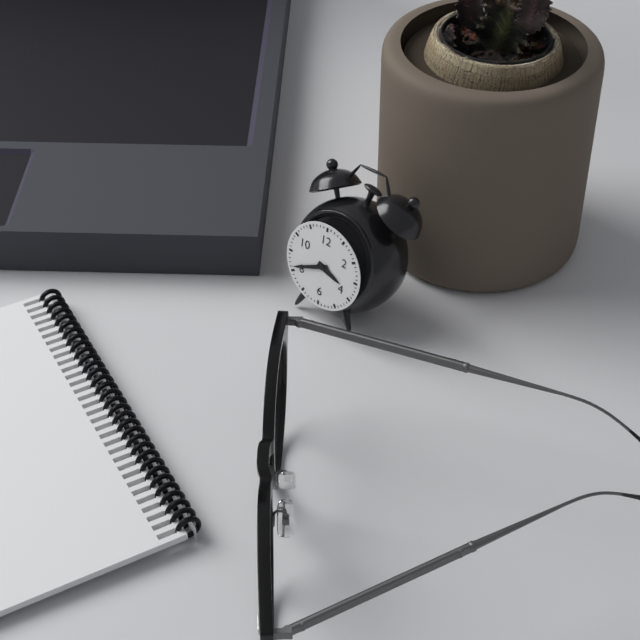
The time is **3:41**
